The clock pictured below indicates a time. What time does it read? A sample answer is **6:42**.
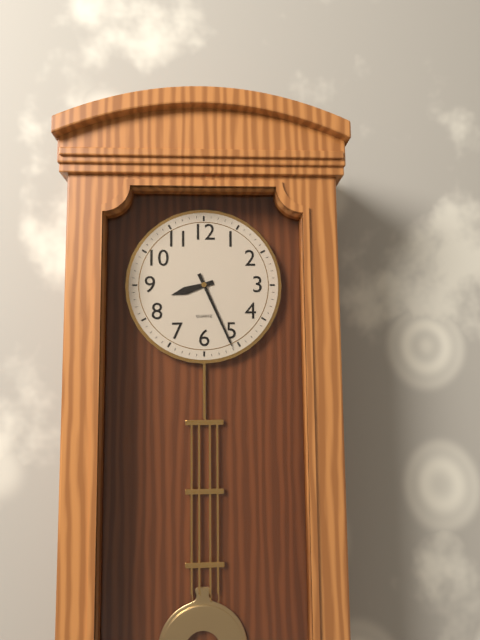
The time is **8:26**
